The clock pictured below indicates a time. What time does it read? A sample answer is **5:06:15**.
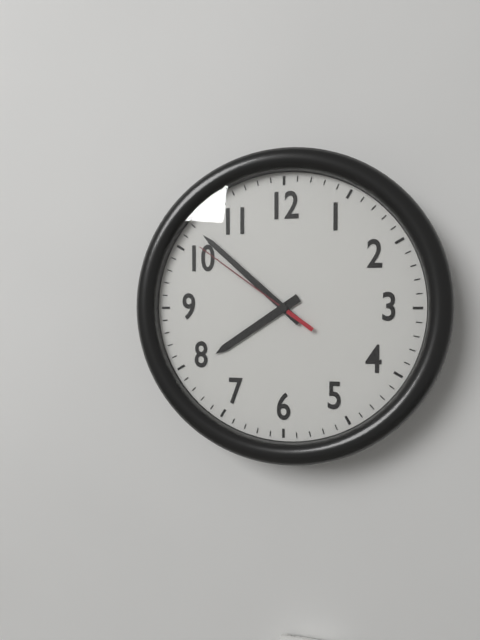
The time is **7:52:51**
